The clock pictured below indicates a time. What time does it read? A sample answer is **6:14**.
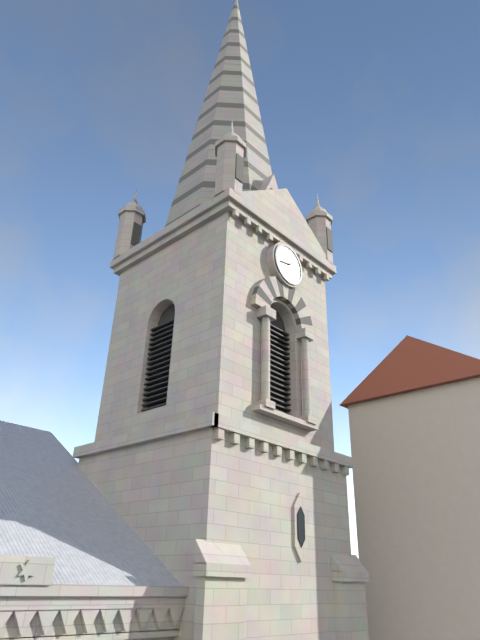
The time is **1:43**
